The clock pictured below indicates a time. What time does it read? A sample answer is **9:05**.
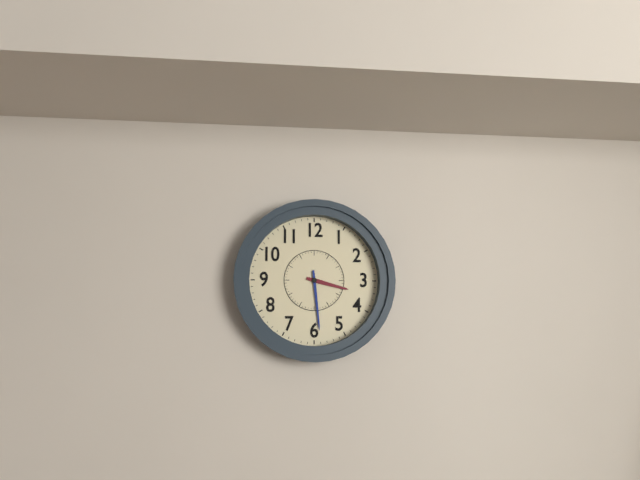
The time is **3:29**
